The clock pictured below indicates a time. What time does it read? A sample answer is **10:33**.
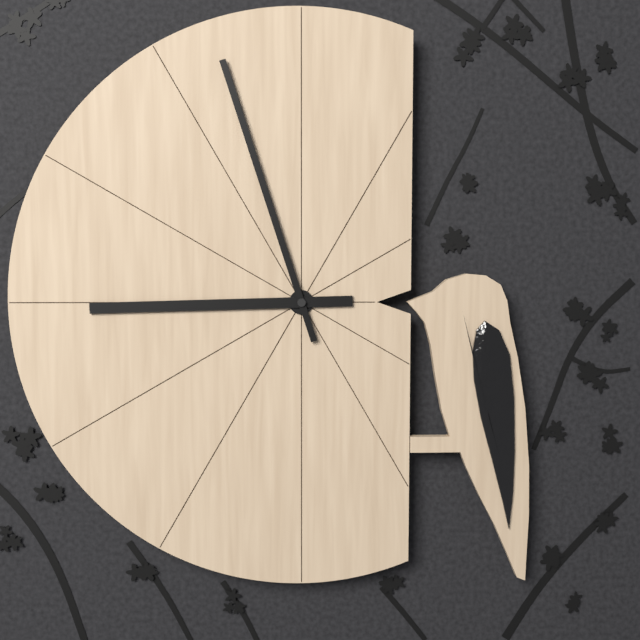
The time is **8:57**
